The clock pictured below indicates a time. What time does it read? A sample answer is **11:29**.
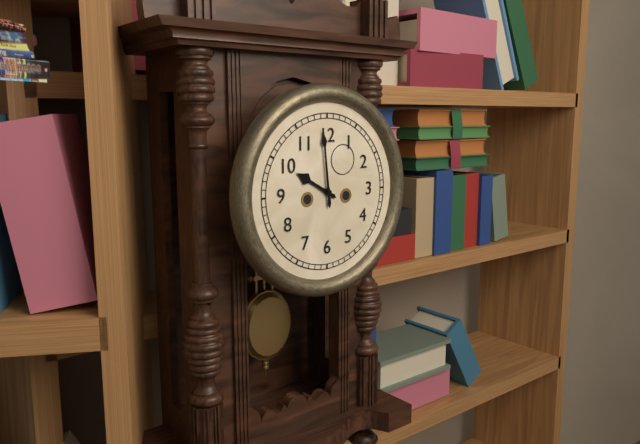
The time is **9:59**
